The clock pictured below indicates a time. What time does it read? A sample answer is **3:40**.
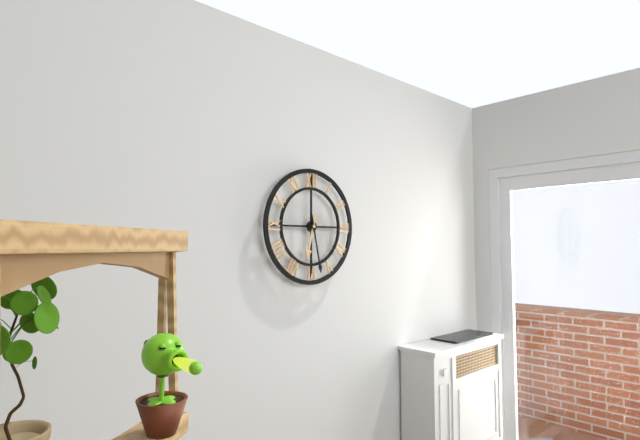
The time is **6:28**
